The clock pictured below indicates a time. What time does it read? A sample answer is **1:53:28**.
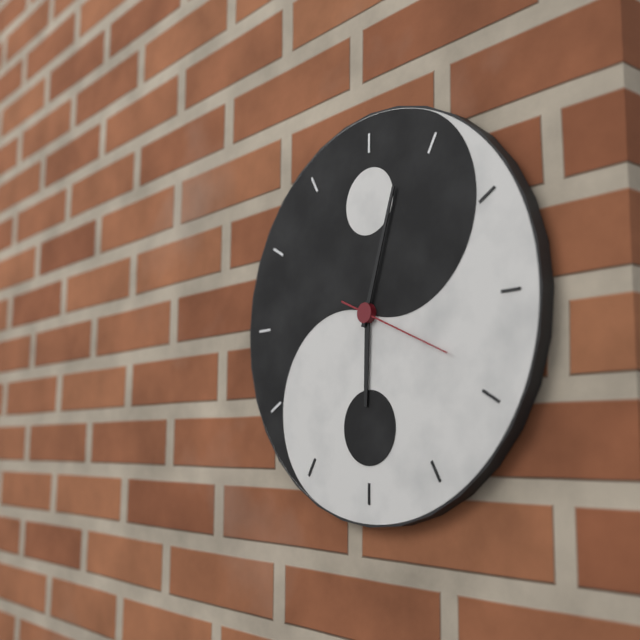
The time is **6:03:19**
